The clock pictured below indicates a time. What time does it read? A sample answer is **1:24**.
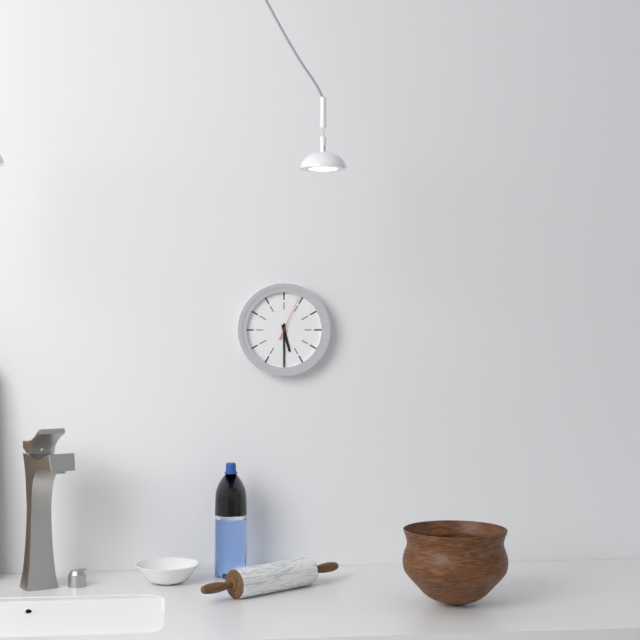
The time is **5:30**
